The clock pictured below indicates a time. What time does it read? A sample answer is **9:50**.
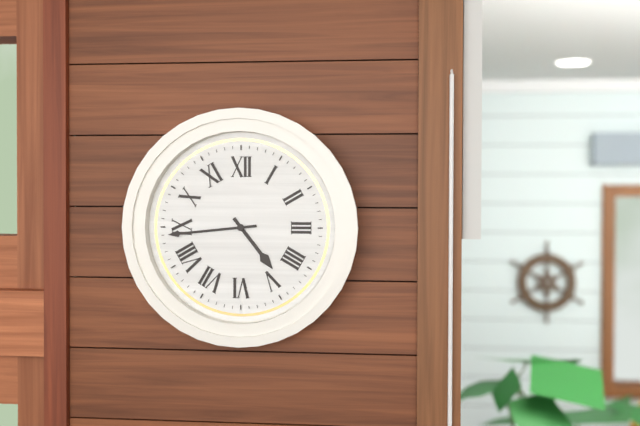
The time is **4:44**
